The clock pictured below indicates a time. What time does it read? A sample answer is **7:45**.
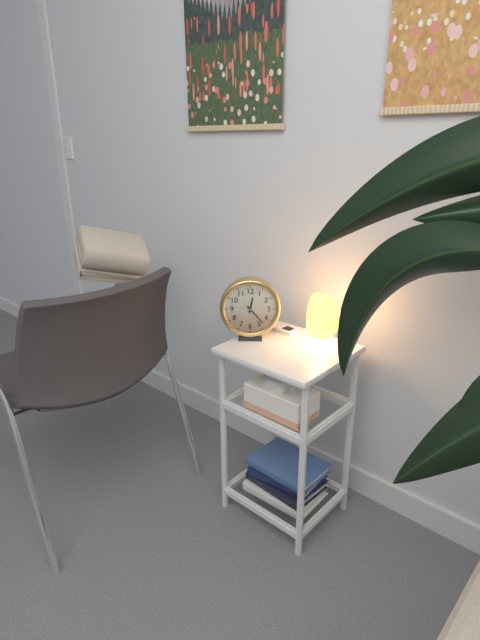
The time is **12:23**
